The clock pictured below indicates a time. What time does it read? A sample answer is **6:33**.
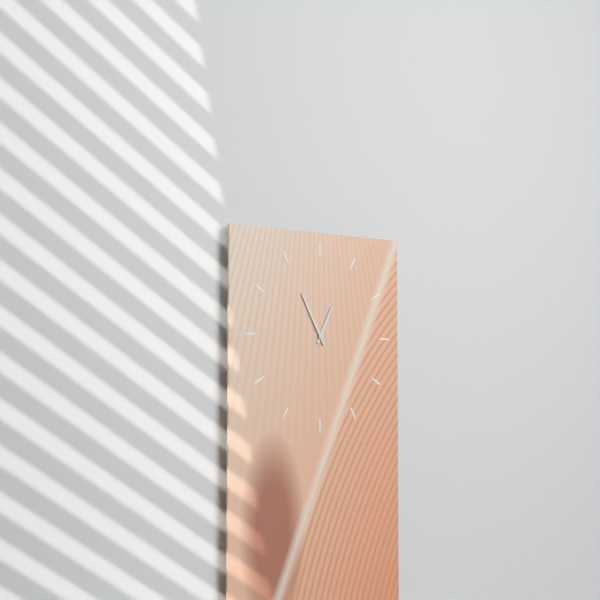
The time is **12:55**
